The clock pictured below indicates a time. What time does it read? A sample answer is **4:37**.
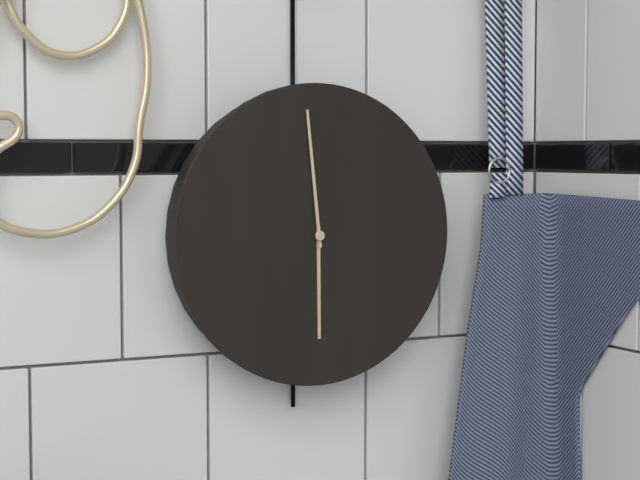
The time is **5:59**
